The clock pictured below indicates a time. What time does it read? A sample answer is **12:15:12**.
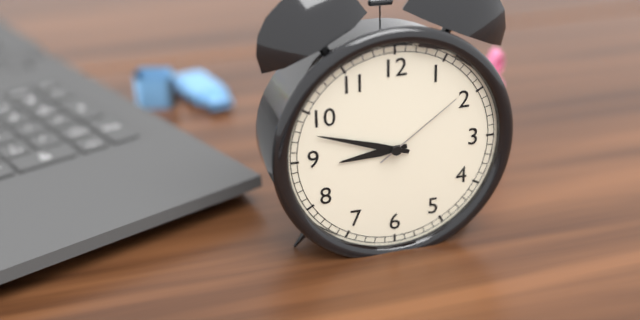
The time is **8:48:09**
